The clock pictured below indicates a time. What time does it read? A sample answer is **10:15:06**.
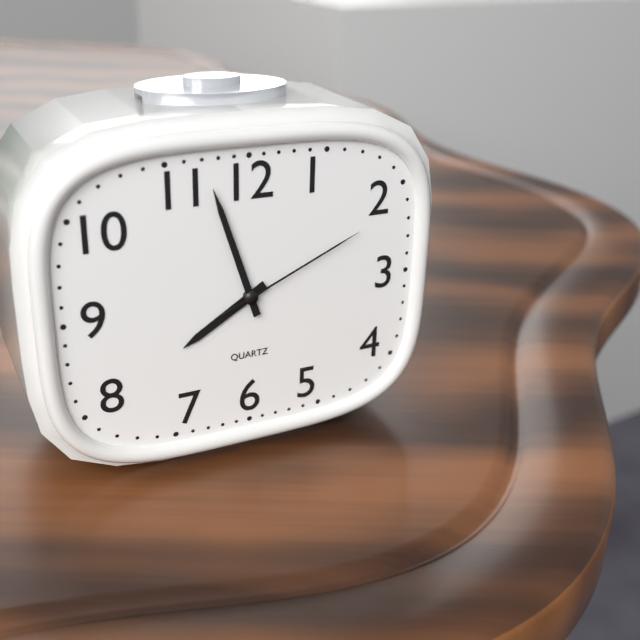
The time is **7:57:11**
